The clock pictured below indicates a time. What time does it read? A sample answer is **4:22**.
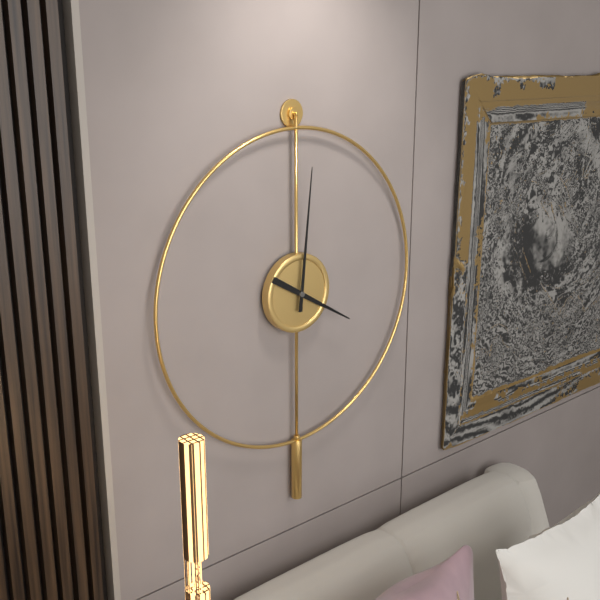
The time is **4:01**
